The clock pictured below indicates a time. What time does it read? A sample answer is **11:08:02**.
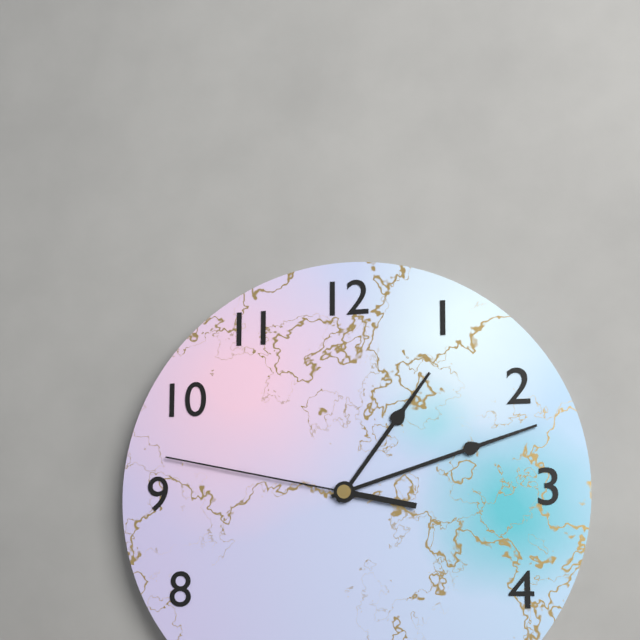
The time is **1:12:47**
